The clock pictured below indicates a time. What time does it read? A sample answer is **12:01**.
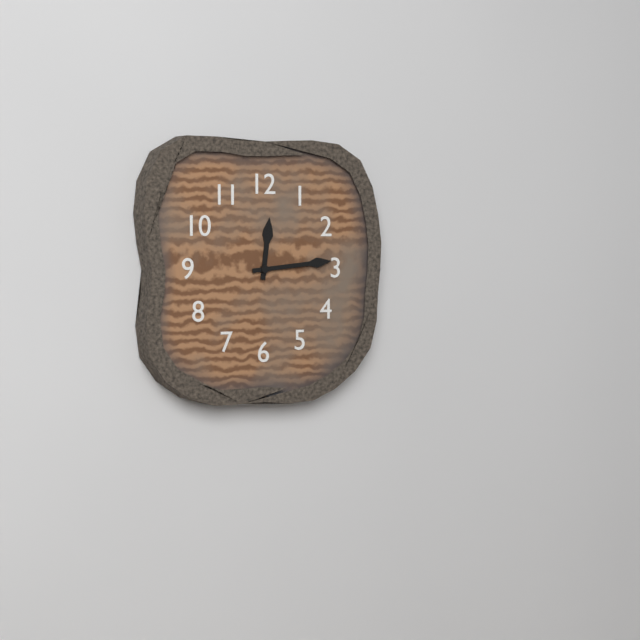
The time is **12:14**
